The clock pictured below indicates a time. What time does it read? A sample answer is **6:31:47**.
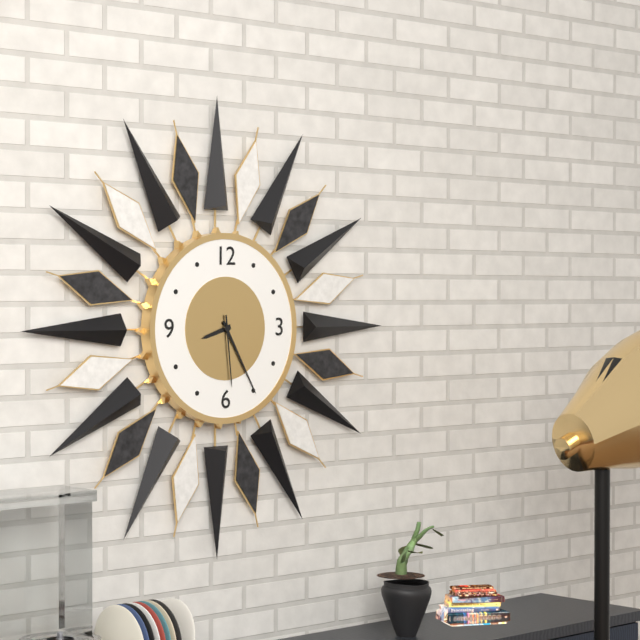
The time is **8:25:29**
